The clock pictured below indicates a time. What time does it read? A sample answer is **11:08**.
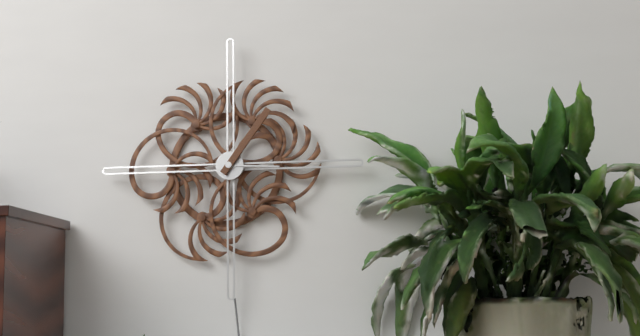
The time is **3:06**
